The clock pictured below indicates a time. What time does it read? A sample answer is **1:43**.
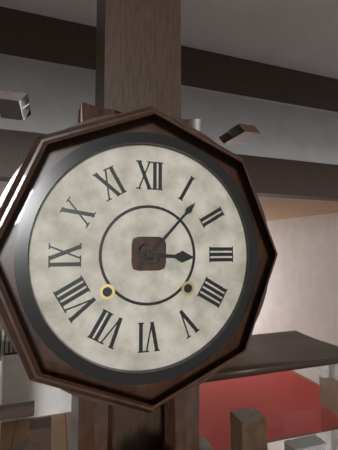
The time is **3:07**
